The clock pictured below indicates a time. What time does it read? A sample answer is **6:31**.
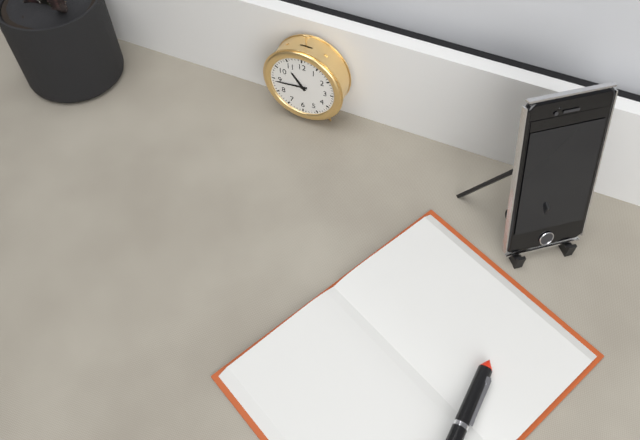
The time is **10:44**
